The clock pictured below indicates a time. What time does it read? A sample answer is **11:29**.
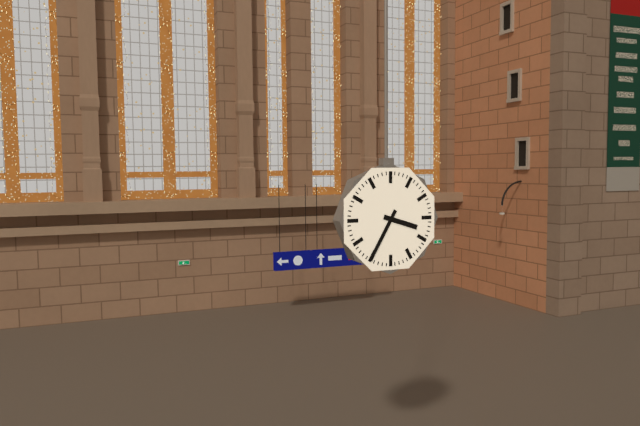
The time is **3:35**
